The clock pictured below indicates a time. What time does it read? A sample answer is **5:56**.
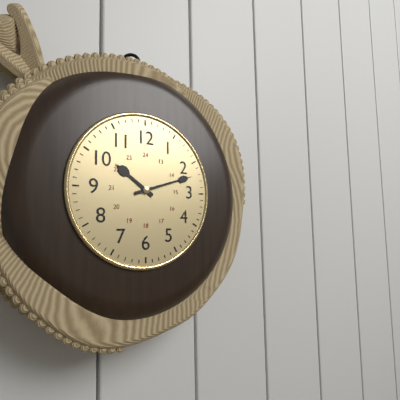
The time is **10:12**
